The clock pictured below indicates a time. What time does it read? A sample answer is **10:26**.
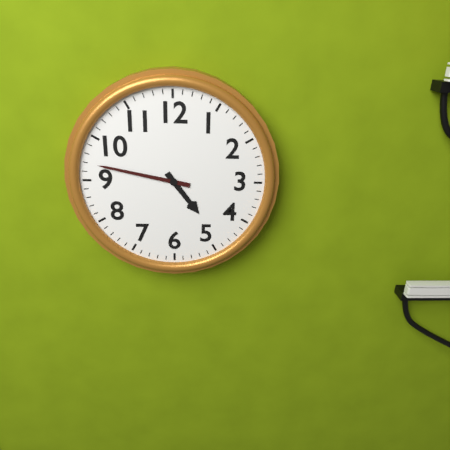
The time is **4:47**
